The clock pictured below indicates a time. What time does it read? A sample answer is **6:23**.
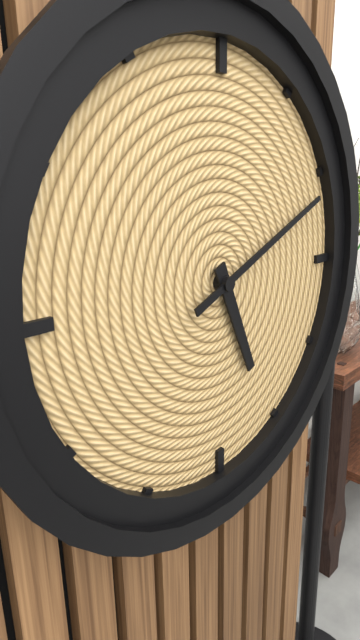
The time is **5:11**
